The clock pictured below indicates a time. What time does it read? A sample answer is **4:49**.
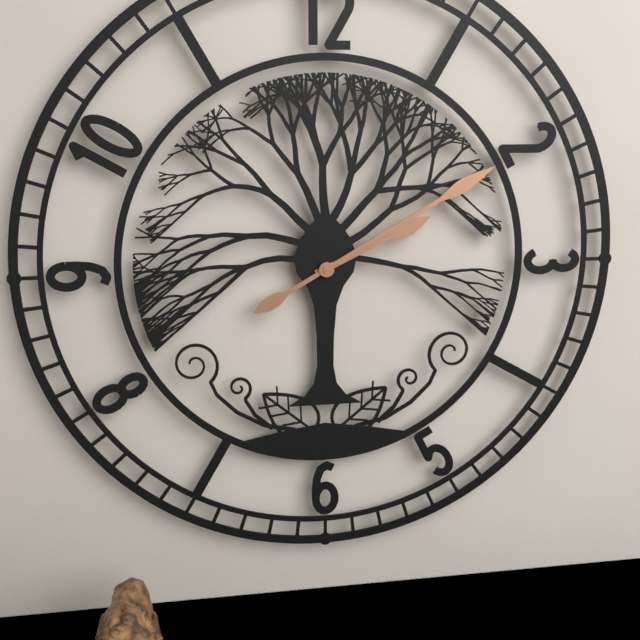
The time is **2:10**
